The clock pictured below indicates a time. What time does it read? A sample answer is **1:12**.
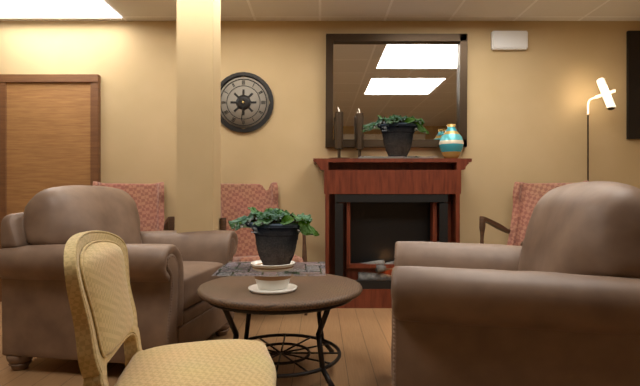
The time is **10:31**
